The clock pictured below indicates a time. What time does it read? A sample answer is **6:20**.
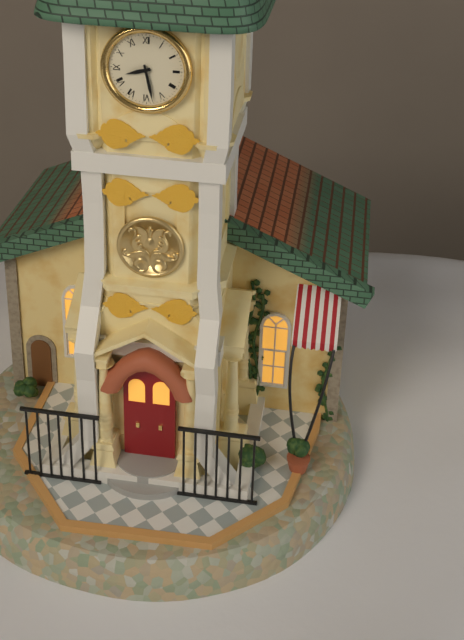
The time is **8:28**
